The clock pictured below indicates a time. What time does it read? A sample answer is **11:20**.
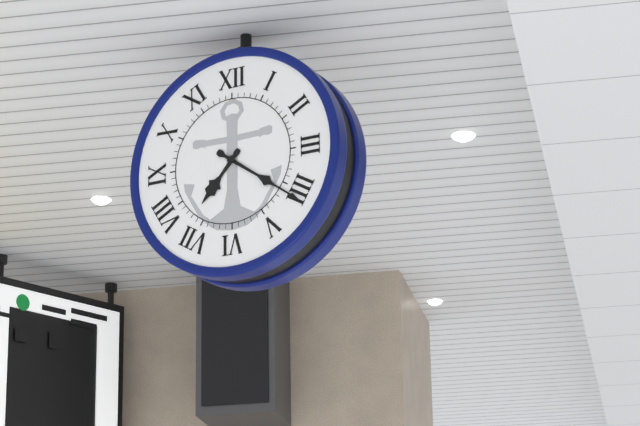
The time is **7:21**
